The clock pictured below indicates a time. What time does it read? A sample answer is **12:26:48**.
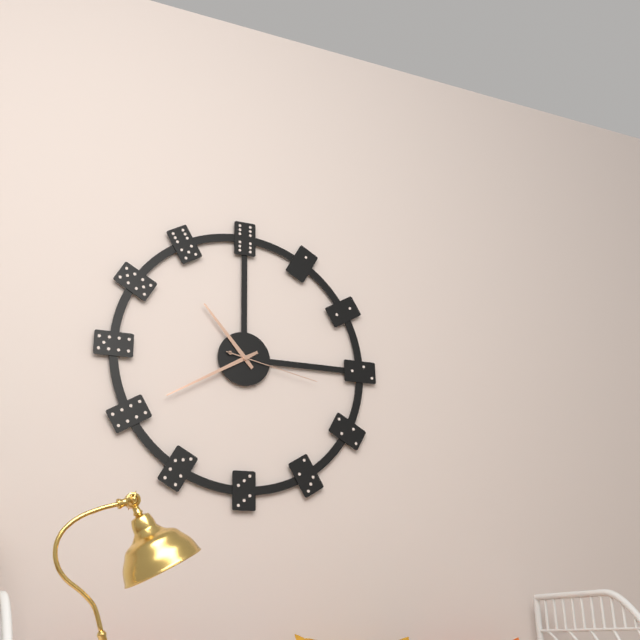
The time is **10:40:17**
